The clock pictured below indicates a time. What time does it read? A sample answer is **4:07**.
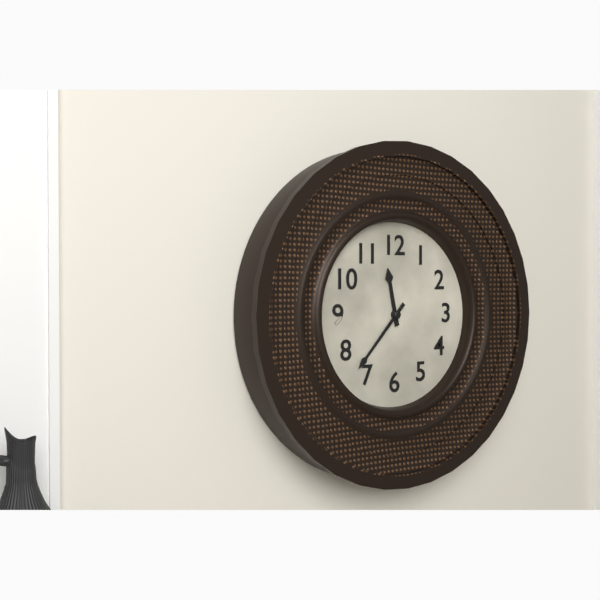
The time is **11:37**
